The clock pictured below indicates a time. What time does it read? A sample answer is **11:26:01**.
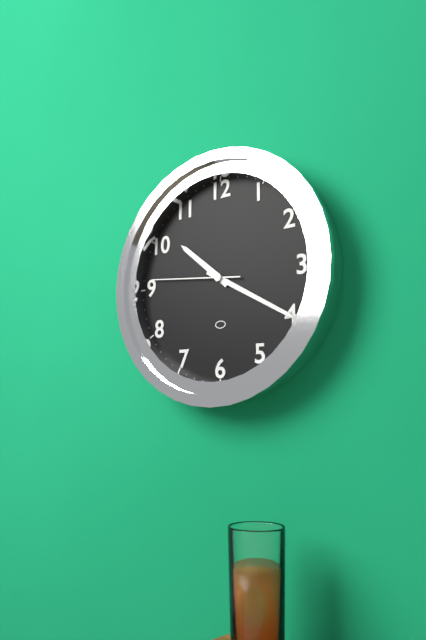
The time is **10:20:46**
